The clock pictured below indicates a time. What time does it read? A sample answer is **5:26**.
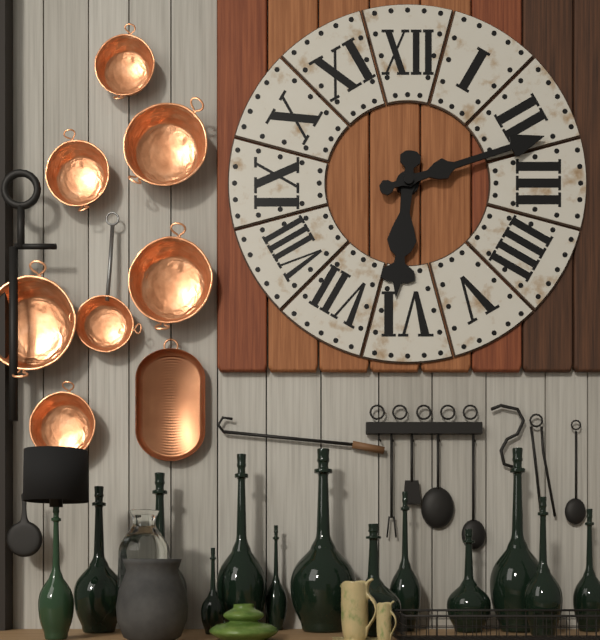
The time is **6:12**
